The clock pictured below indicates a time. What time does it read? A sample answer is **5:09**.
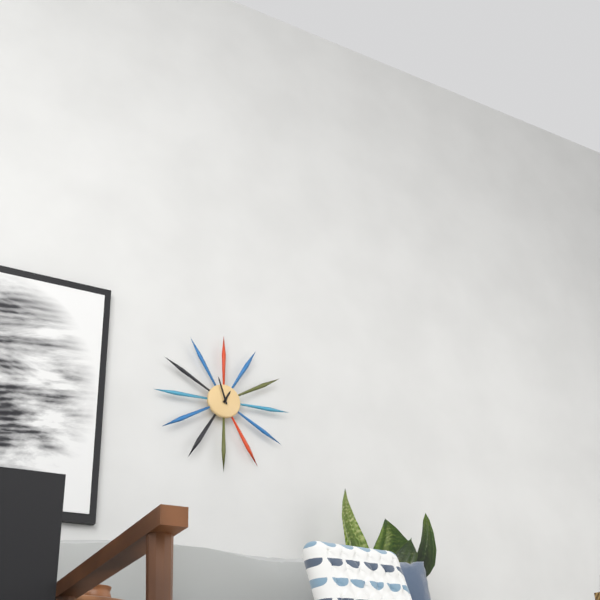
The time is **12:57**
